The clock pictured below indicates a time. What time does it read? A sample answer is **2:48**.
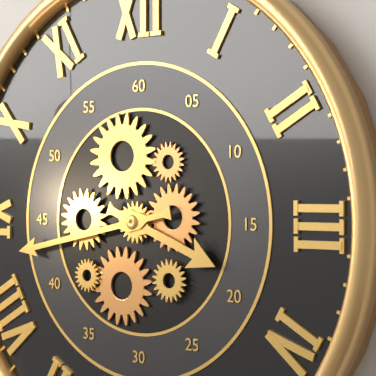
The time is **3:43**
